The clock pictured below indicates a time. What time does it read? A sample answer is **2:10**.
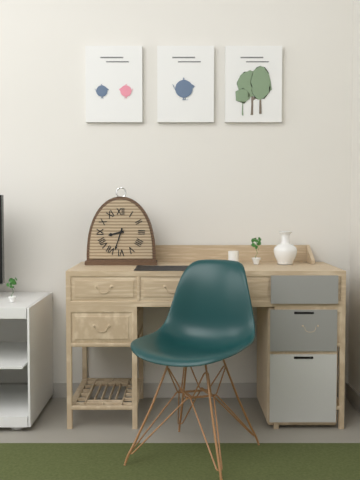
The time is **8:33**
